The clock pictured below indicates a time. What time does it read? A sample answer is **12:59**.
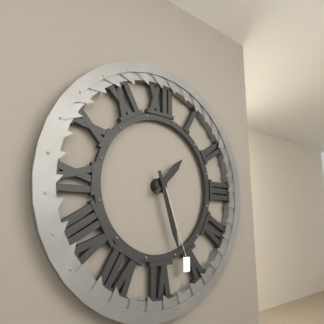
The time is **1:27**
